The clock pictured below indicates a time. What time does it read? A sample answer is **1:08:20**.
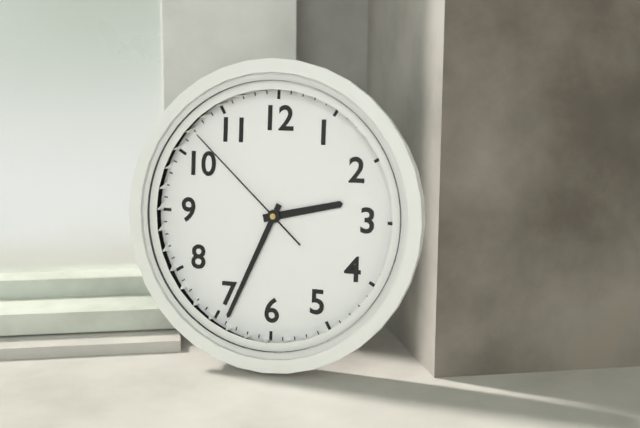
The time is **2:34:52**
